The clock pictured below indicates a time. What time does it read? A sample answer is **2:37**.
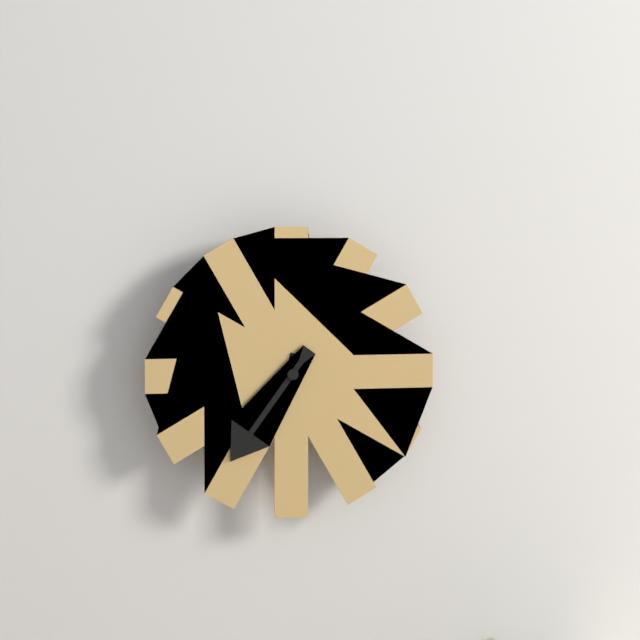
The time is **6:36**
